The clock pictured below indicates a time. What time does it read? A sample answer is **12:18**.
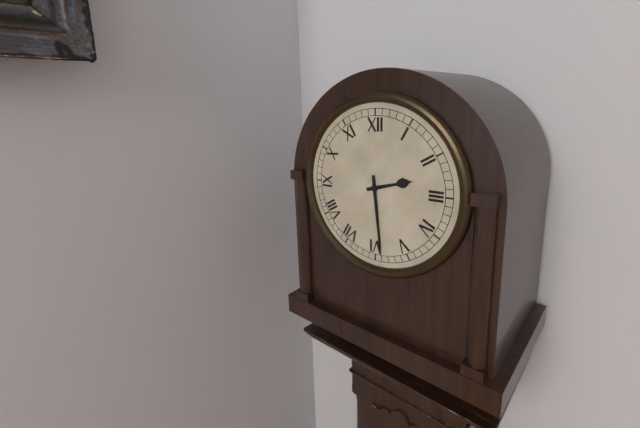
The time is **2:29**
